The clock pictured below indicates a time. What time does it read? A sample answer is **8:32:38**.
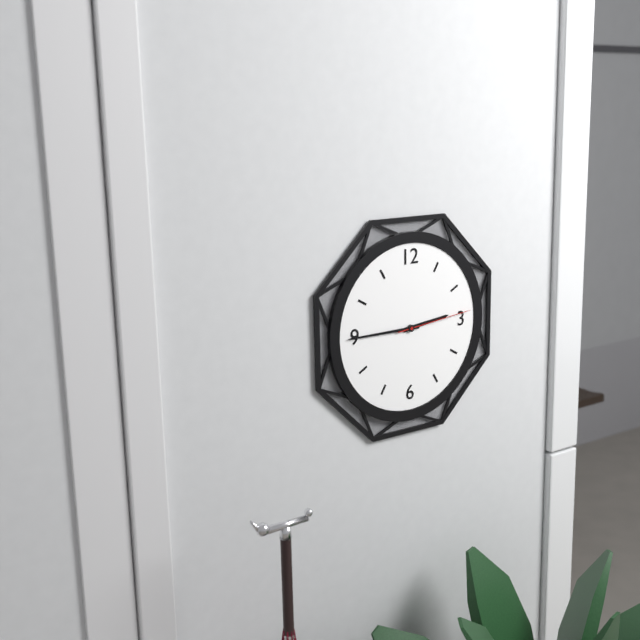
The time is **2:45:14**
